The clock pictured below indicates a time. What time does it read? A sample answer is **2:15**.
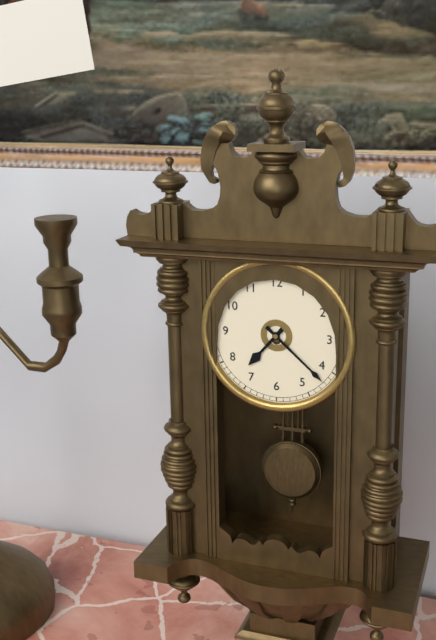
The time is **7:22**
